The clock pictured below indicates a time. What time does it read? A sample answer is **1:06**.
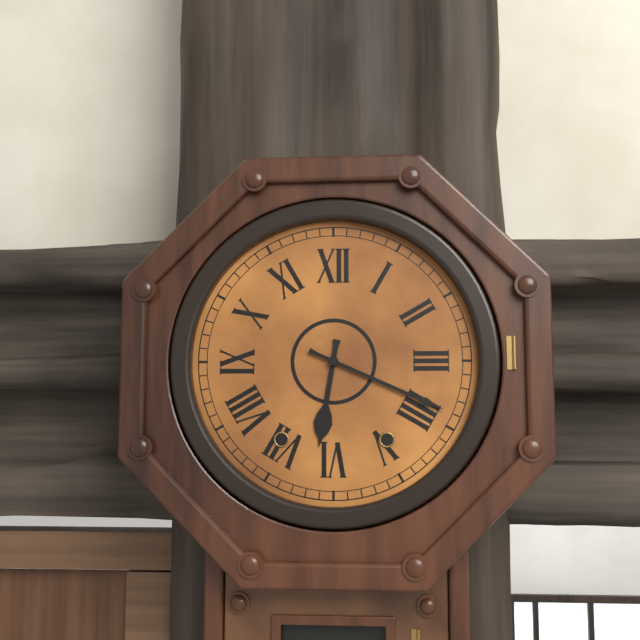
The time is **6:19**
